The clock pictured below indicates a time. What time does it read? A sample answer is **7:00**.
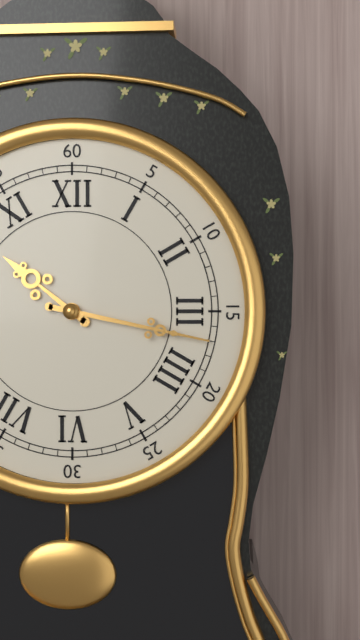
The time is **10:17**
